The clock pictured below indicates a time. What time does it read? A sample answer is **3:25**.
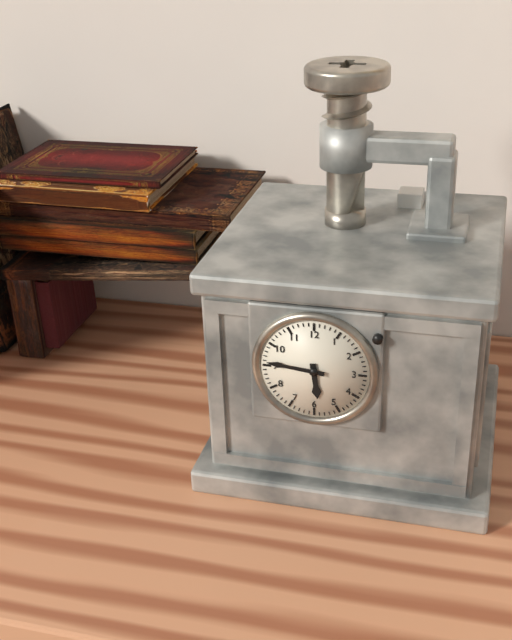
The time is **5:46**
